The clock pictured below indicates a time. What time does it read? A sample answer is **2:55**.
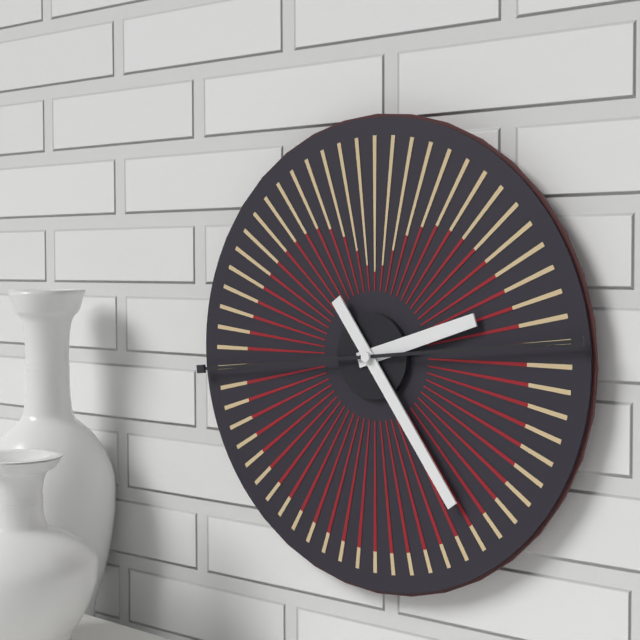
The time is **2:24**
